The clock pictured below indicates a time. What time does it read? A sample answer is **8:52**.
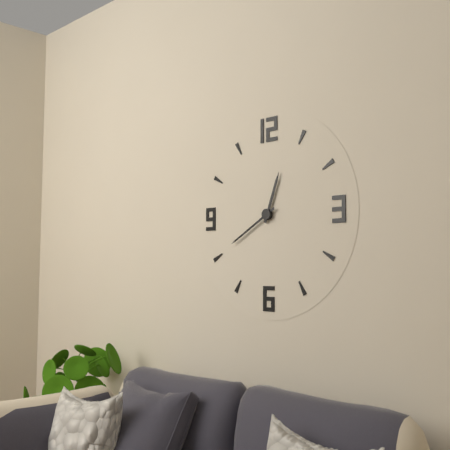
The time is **12:40**
